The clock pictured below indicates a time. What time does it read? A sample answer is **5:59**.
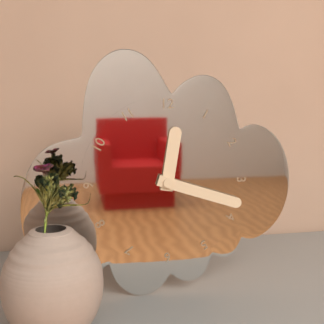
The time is **12:18**
